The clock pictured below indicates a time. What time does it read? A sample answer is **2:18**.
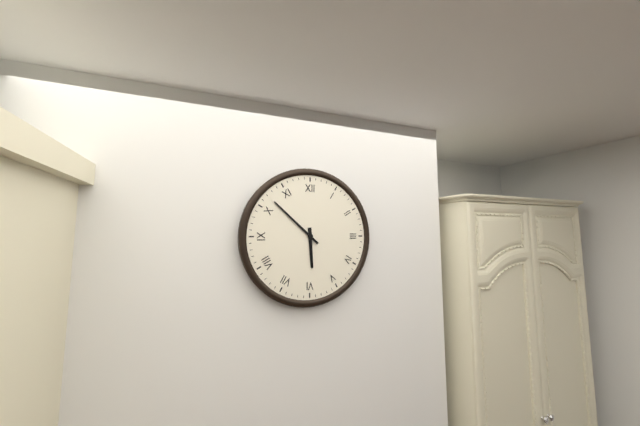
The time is **5:52**
